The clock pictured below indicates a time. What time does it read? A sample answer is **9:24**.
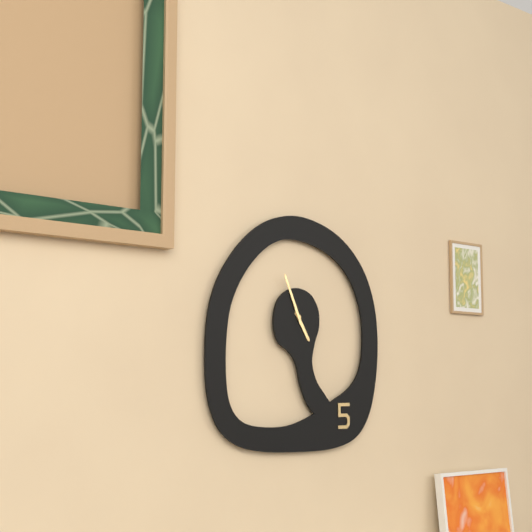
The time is **4:56**
